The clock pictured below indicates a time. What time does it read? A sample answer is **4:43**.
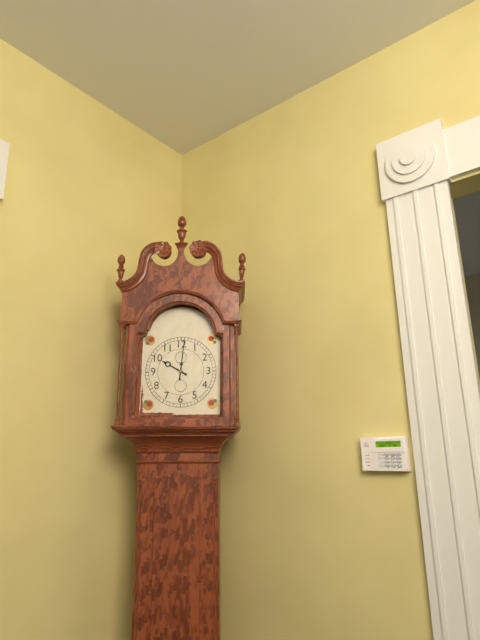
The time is **10:01**
